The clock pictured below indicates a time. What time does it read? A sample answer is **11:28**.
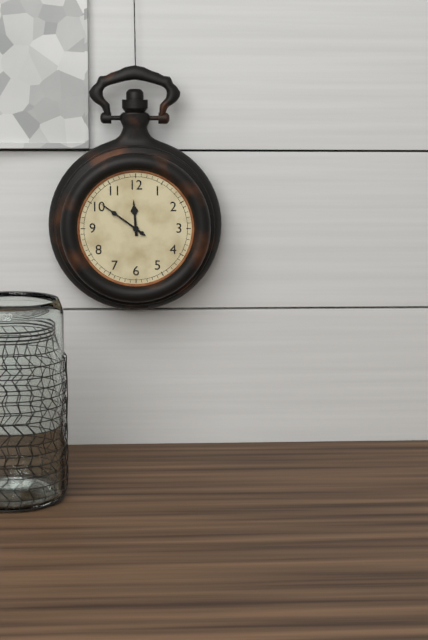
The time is **11:51**
